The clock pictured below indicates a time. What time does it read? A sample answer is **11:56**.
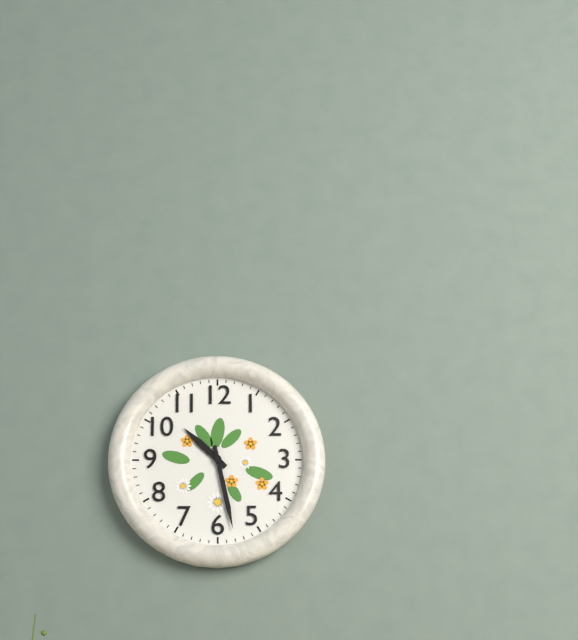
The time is **10:28**
